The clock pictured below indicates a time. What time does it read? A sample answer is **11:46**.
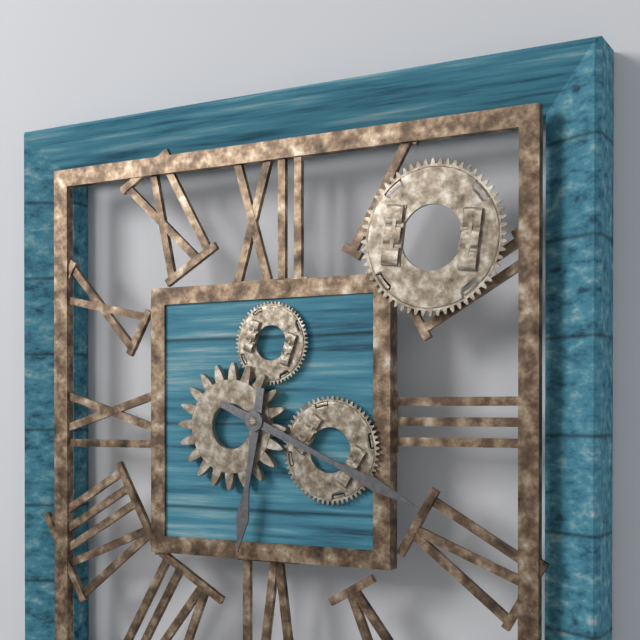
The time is **6:19**
